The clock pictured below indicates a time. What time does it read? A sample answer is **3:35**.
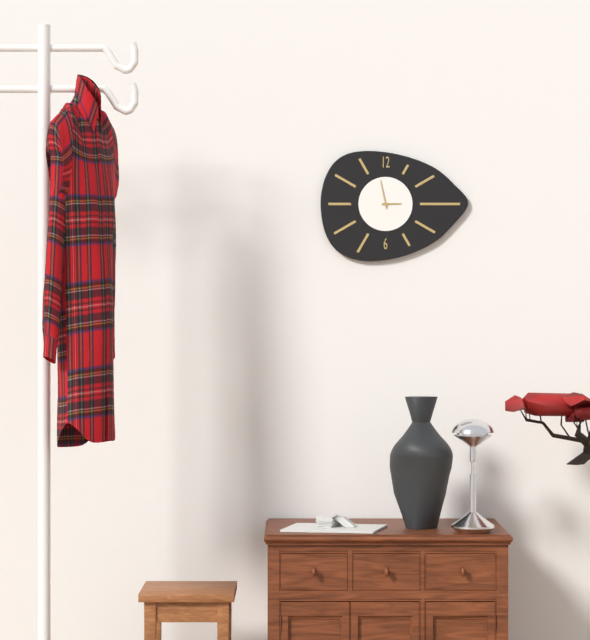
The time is **2:58**
